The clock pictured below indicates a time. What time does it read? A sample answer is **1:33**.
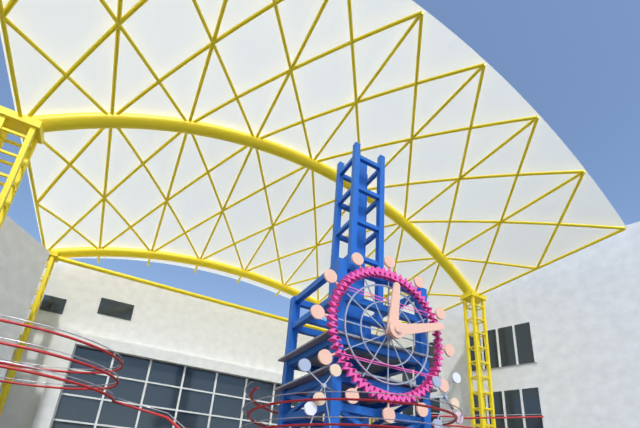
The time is **12:12**
